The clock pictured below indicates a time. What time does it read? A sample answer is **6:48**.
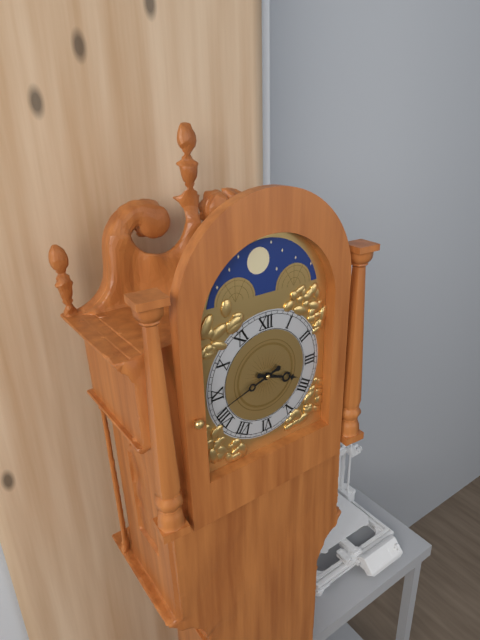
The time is **3:42**
